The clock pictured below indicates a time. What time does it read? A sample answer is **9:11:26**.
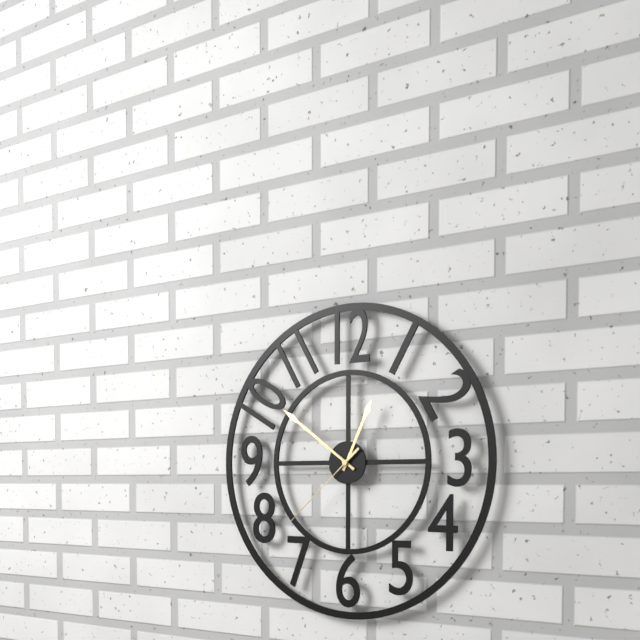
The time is **12:51:38**
